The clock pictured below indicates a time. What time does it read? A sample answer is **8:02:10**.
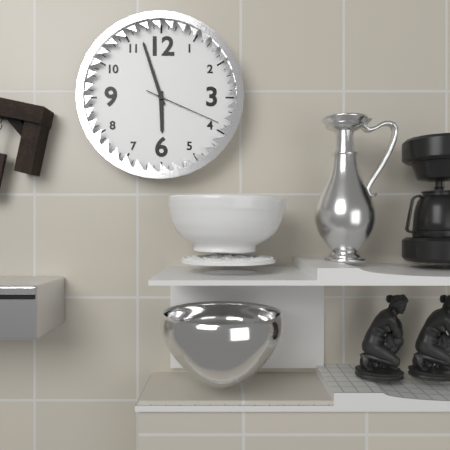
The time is **5:57:19**
